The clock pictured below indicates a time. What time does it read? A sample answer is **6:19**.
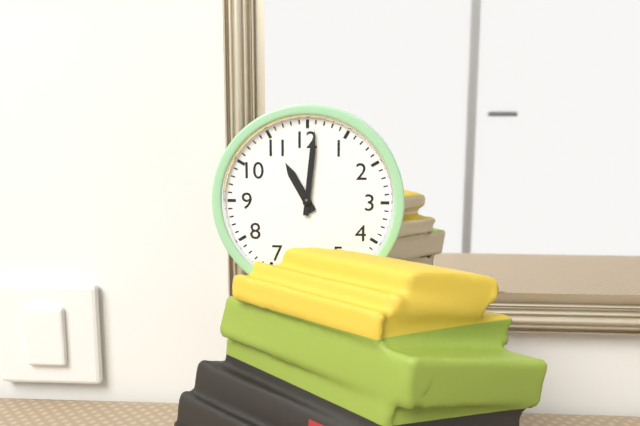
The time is **11:01**
